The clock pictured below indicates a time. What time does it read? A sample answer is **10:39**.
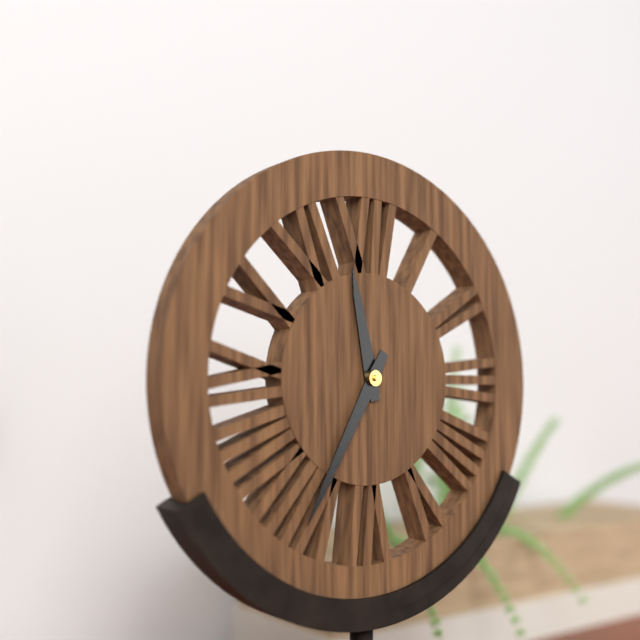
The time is **11:35**
